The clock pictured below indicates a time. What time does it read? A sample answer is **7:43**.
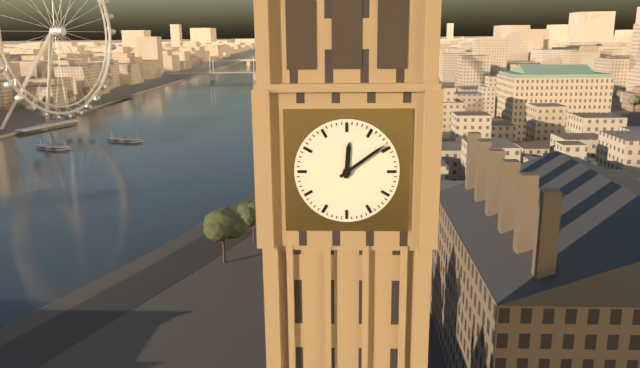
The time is **12:09**
